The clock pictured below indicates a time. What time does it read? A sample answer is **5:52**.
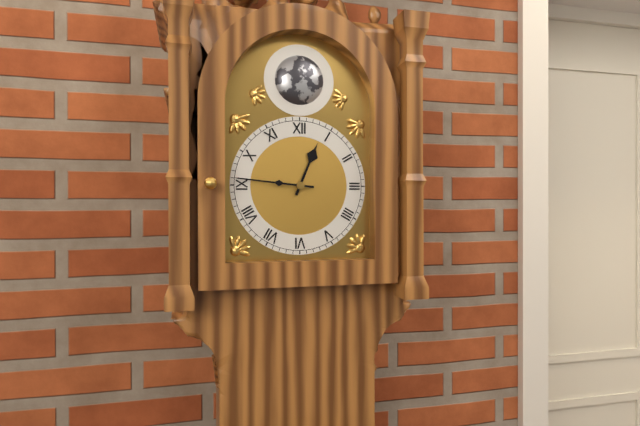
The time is **12:46**
